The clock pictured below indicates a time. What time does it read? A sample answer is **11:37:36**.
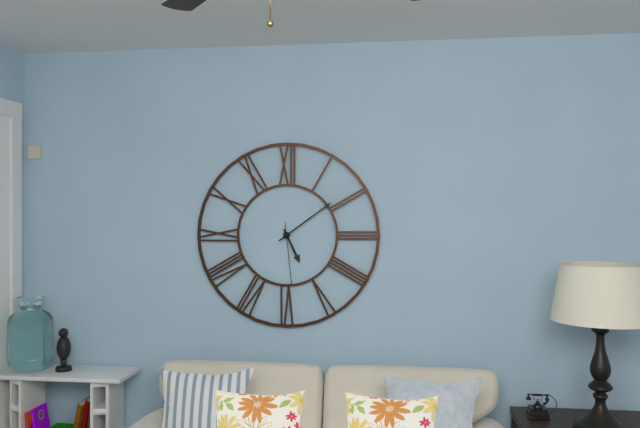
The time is **5:09:29**
